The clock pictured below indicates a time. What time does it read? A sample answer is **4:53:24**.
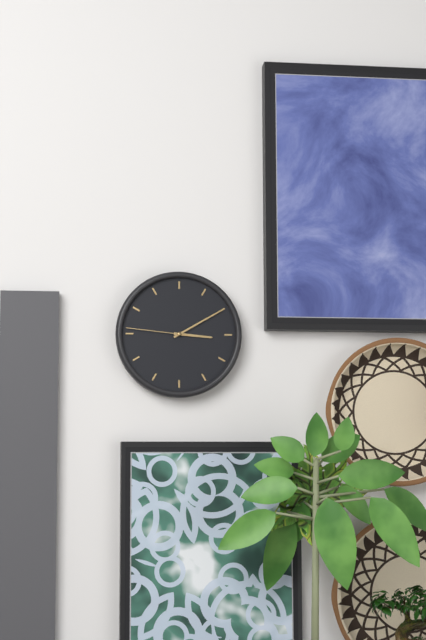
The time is **3:10:46**
